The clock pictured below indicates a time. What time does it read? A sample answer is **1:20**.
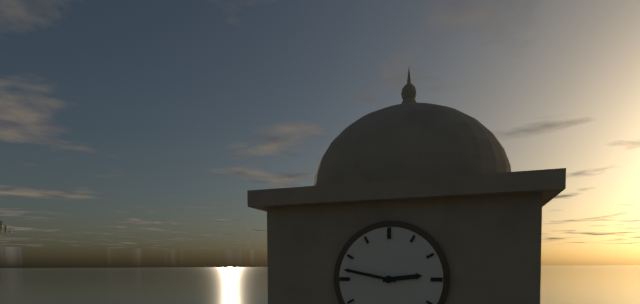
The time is **2:47**
